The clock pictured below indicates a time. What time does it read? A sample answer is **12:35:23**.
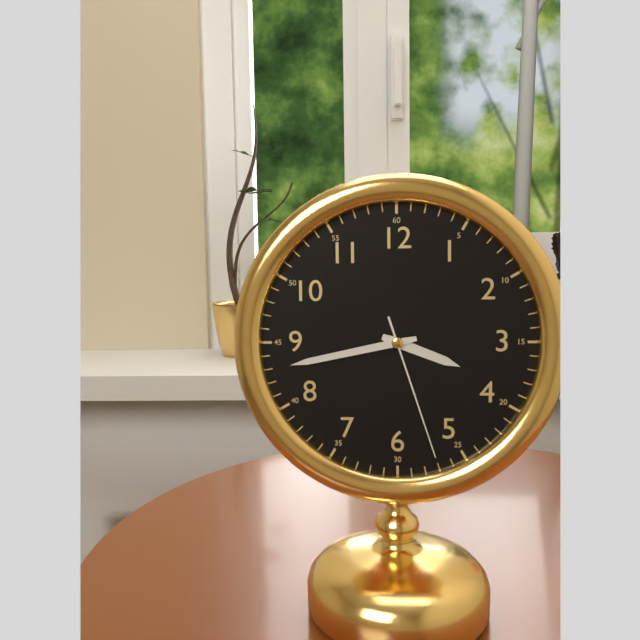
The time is **3:43:27**
